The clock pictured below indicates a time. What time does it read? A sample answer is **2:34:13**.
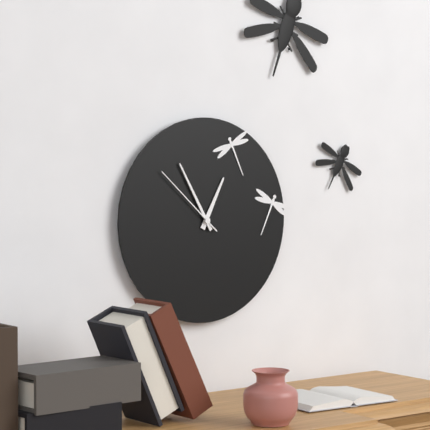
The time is **12:55:52**
